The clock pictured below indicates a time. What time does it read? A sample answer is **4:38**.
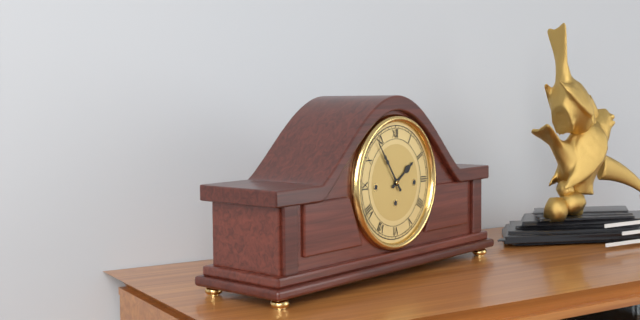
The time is **1:54**
